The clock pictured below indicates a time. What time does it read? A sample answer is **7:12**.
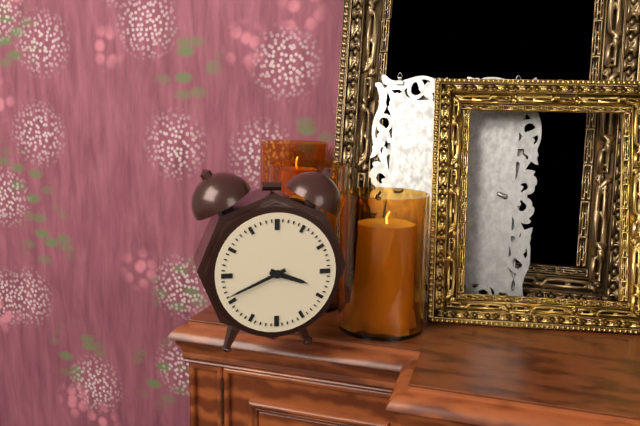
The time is **3:41**
